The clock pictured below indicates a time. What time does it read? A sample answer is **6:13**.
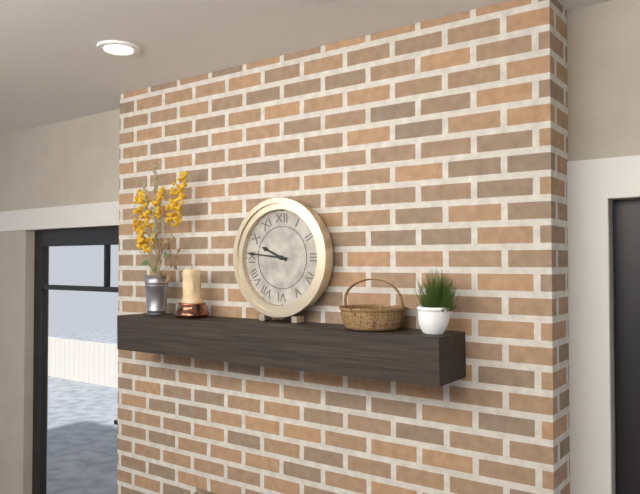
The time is **9:46**
